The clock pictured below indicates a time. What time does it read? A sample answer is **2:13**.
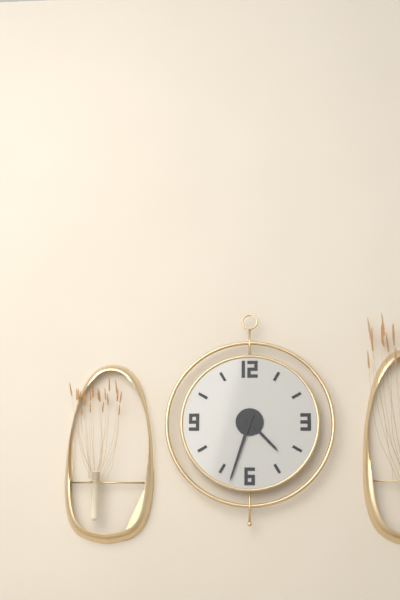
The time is **4:33**
